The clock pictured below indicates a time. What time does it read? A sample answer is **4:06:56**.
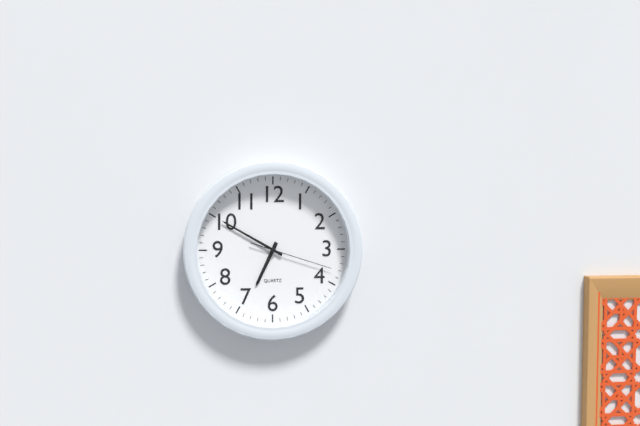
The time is **6:50:18**
